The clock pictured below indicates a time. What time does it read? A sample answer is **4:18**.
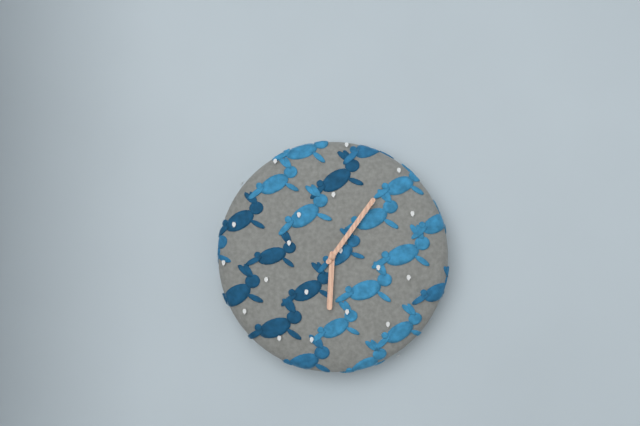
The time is **6:06**
